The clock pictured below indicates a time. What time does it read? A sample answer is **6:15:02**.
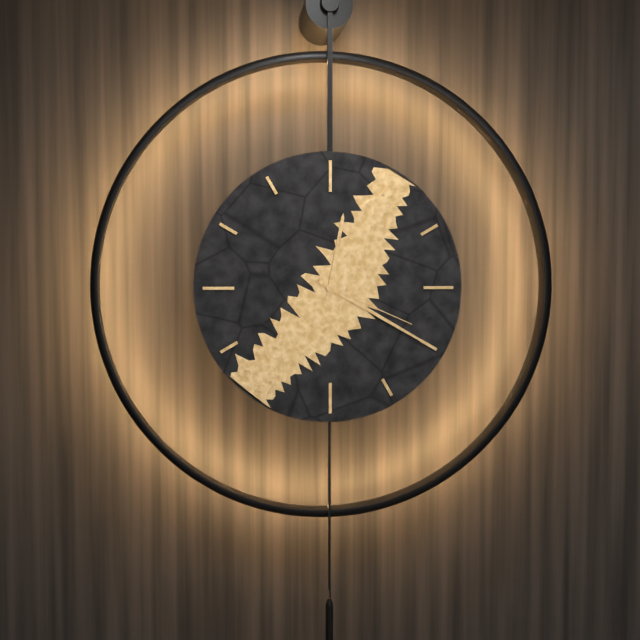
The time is **12:20:19**
